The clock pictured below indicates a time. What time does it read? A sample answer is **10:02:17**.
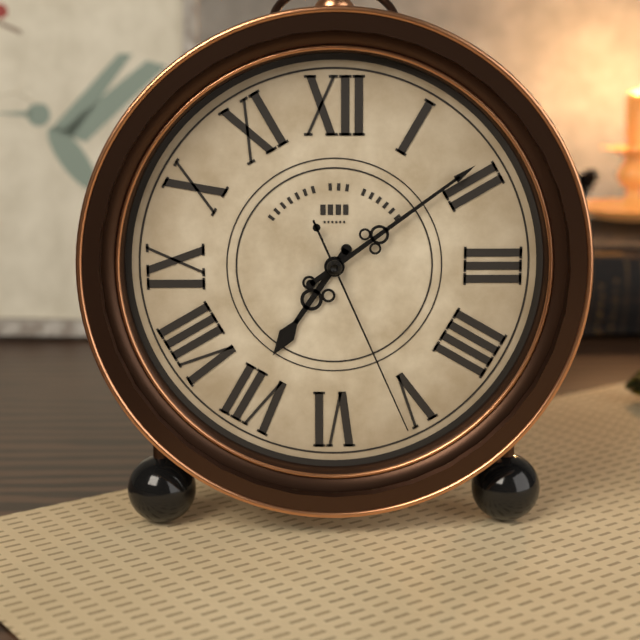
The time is **7:09:26**
